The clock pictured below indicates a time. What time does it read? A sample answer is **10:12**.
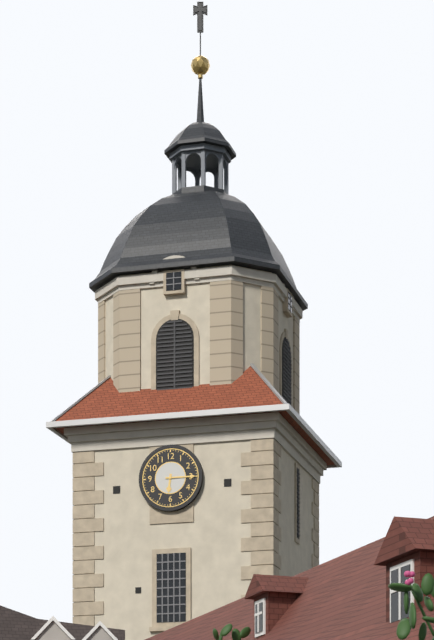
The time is **6:15**
